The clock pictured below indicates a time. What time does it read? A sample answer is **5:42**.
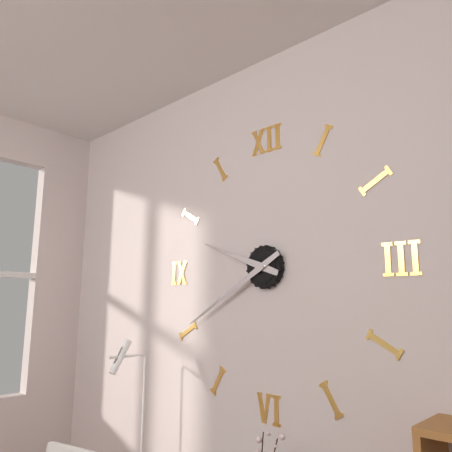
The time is **9:40**
